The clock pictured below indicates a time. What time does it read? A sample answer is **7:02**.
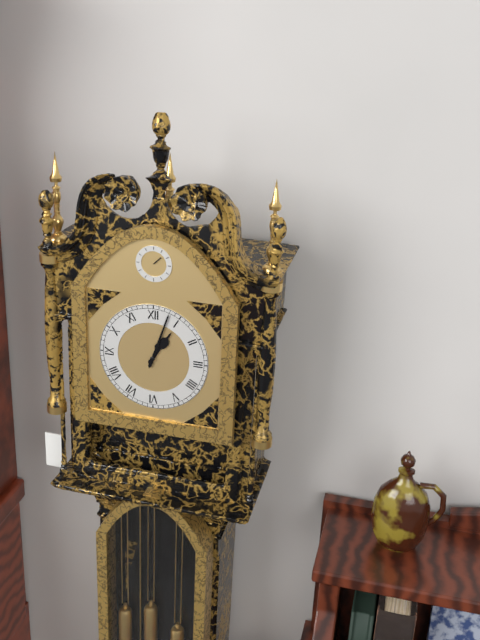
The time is **1:03**
